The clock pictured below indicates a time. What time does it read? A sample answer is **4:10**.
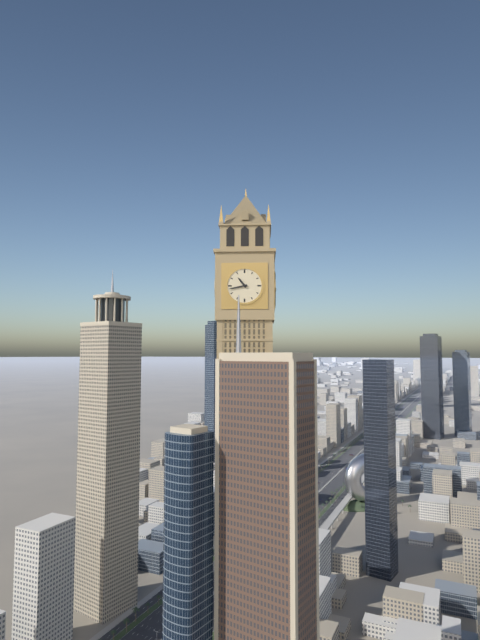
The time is **10:43**
